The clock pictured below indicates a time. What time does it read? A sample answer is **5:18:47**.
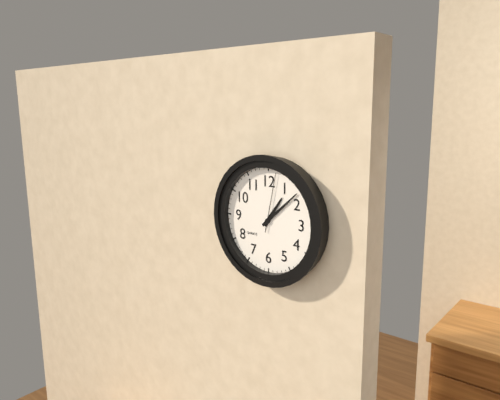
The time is **1:08:02**
